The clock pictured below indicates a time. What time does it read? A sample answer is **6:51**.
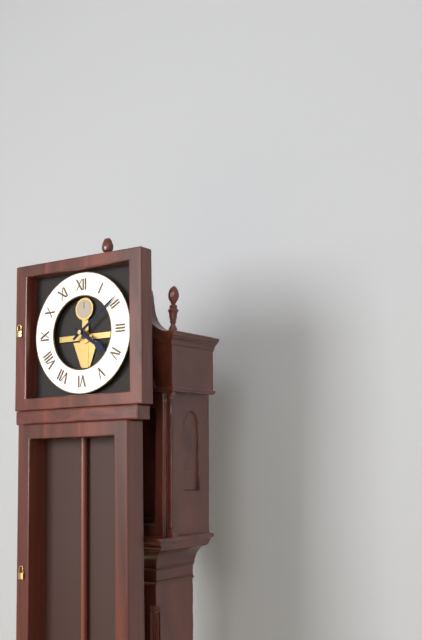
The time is **4:09**
